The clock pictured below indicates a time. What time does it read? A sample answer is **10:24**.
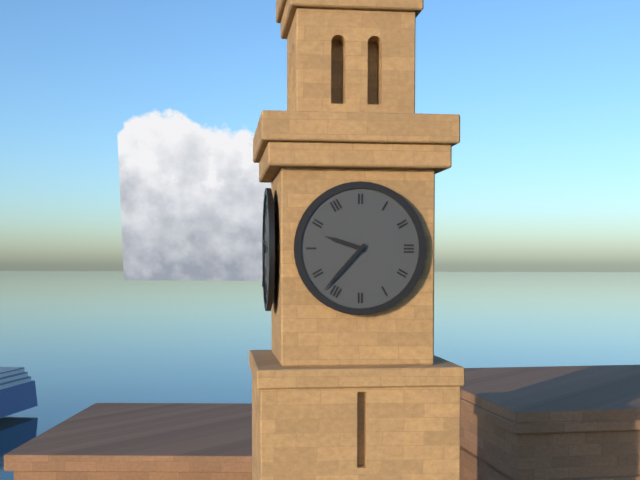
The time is **9:37**
